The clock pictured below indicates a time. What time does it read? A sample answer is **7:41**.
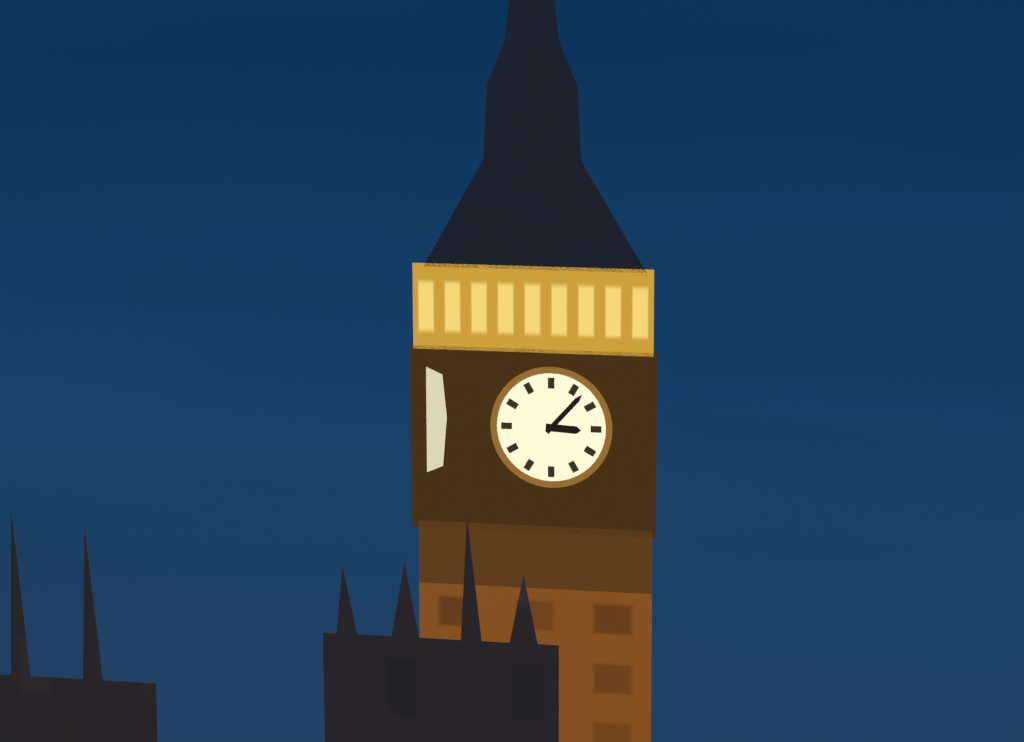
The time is **3:07**
